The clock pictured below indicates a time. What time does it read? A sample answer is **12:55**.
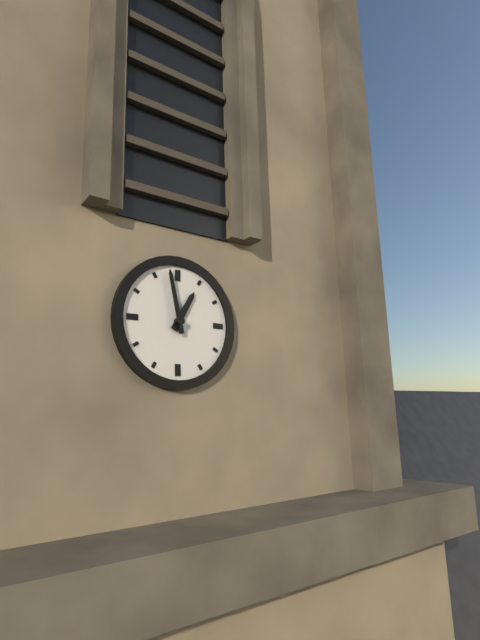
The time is **12:58**
